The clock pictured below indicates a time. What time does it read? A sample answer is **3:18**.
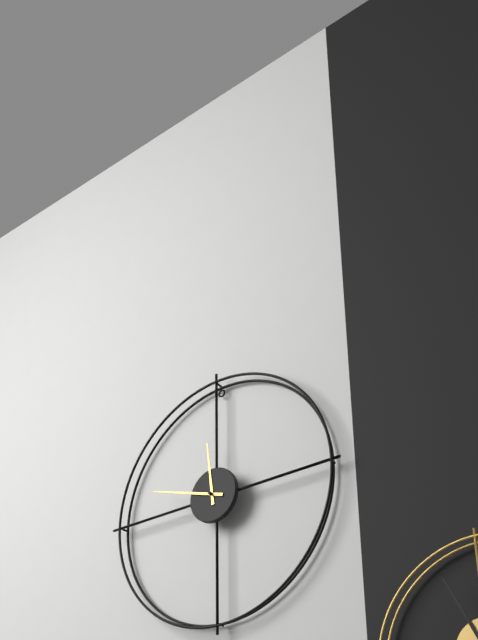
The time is **11:48**
